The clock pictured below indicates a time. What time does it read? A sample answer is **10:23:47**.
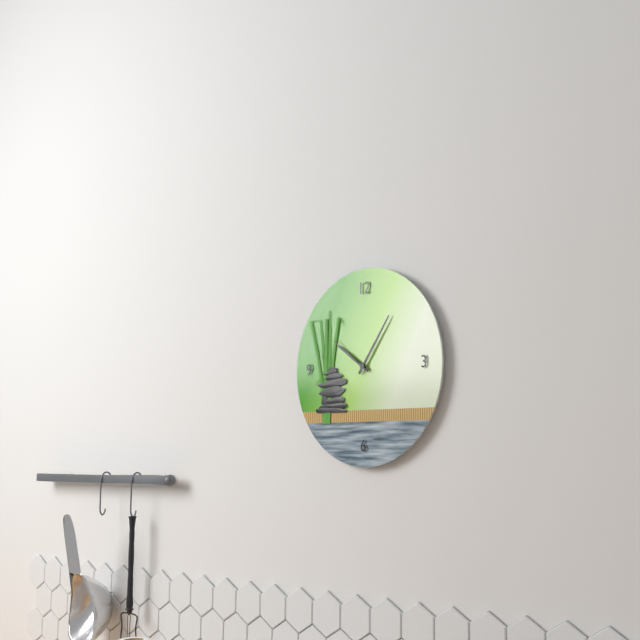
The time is **10:06:51**
